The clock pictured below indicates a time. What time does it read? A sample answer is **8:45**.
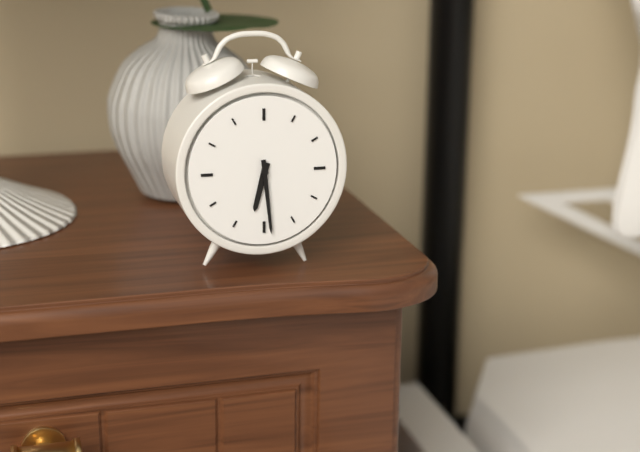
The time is **6:29**
